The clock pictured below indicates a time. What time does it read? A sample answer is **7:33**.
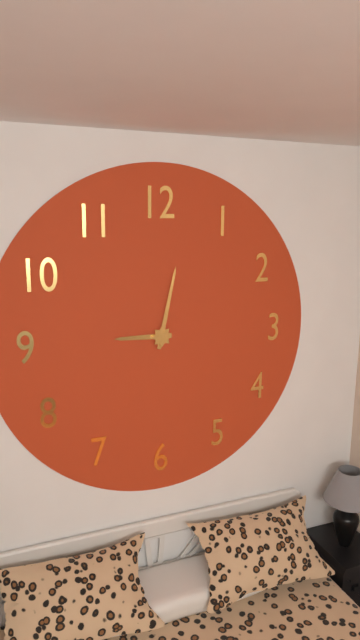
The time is **9:02**
